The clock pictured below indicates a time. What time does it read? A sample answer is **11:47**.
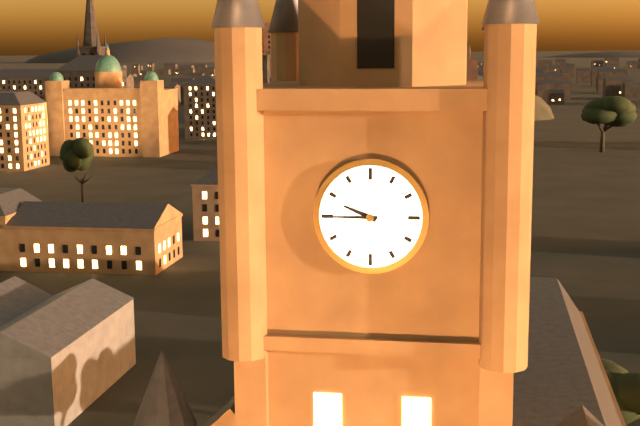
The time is **9:45**
